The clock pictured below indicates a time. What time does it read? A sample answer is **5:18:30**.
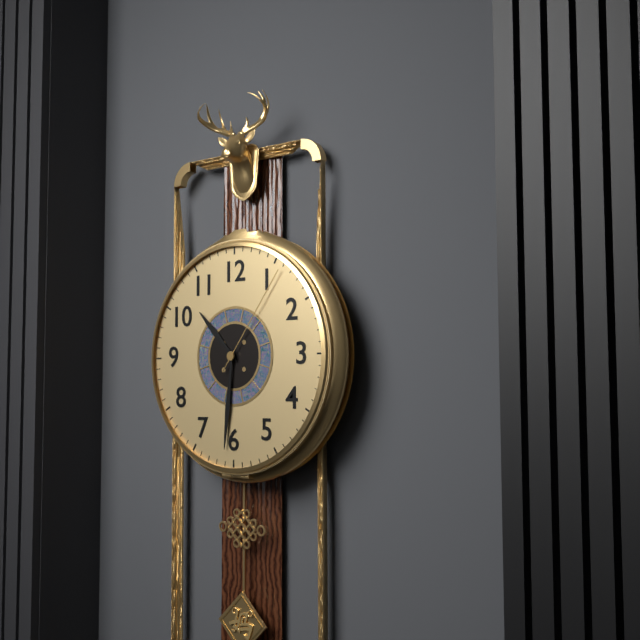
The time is **10:31:06**
